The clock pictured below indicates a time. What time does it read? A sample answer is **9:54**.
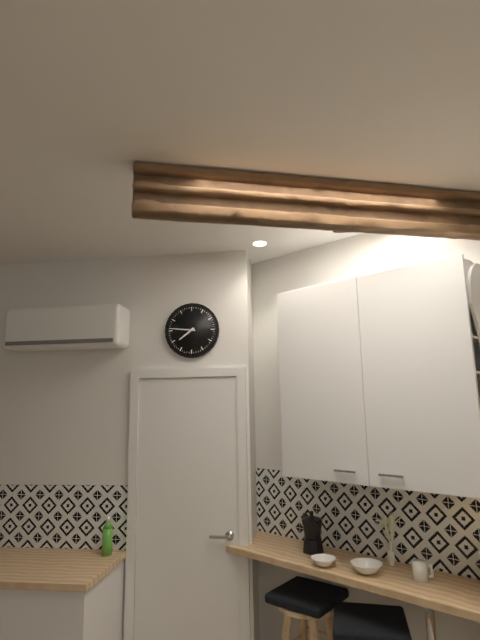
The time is **7:46**
